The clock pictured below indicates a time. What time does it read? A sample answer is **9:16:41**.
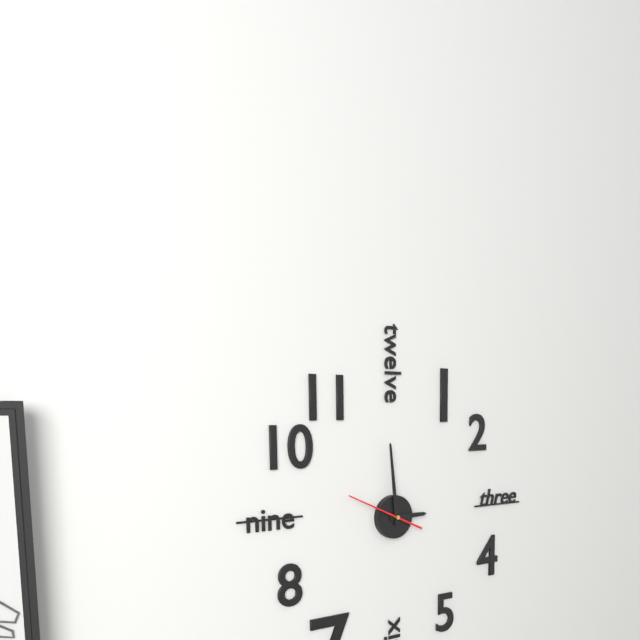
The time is **2:59:49**
